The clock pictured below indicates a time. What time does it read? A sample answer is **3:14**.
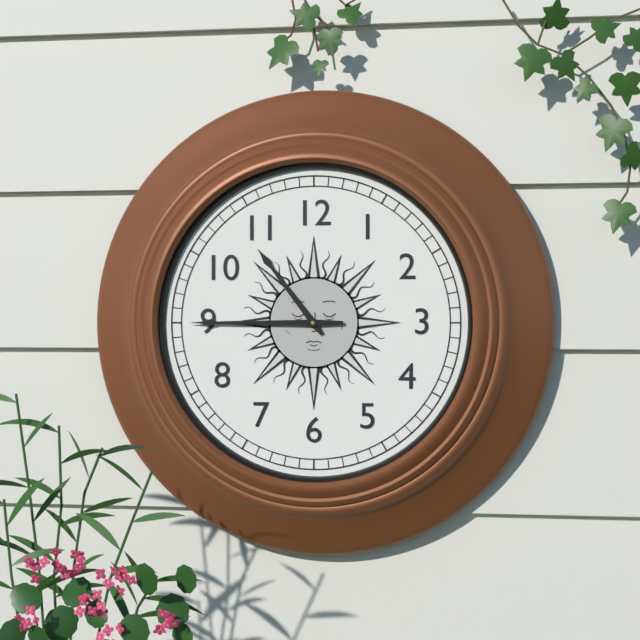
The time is **10:45**
